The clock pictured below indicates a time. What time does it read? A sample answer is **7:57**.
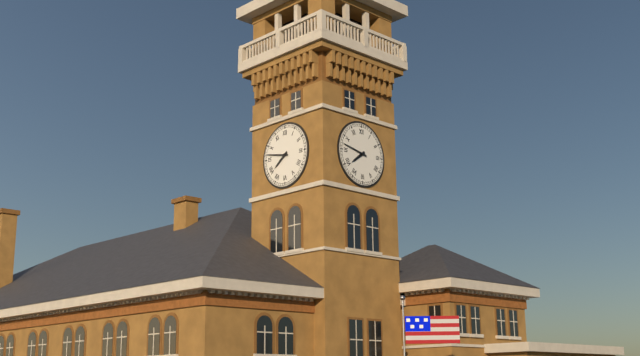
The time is **7:47**
